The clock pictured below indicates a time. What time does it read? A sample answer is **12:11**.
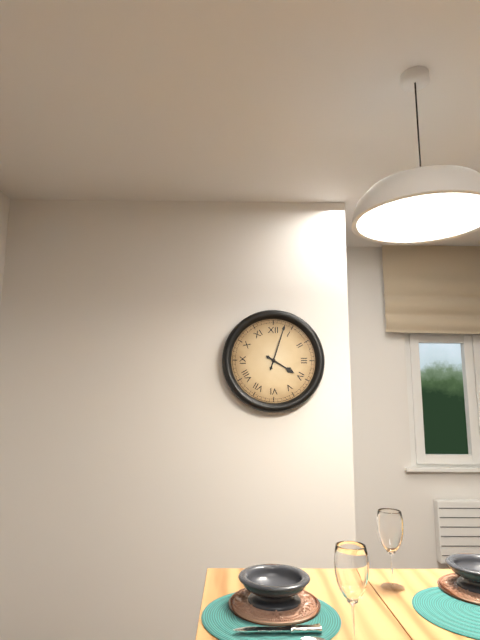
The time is **4:03**
